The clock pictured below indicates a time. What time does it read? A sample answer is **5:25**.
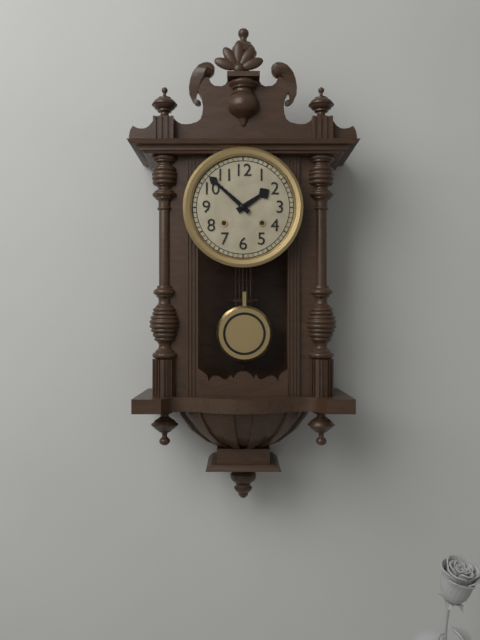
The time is **1:52**
